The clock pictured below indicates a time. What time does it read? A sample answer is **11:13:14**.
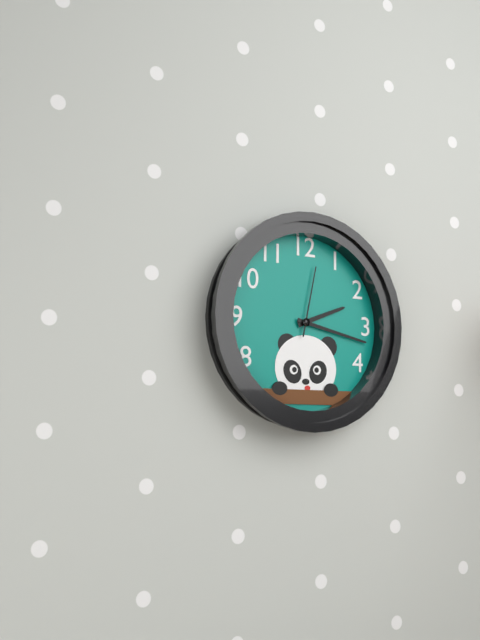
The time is **2:17:02**
